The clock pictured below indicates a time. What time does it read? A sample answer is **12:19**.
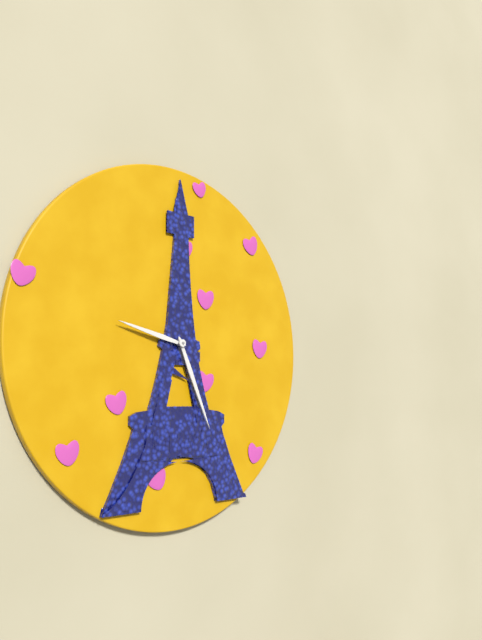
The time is **9:26**
